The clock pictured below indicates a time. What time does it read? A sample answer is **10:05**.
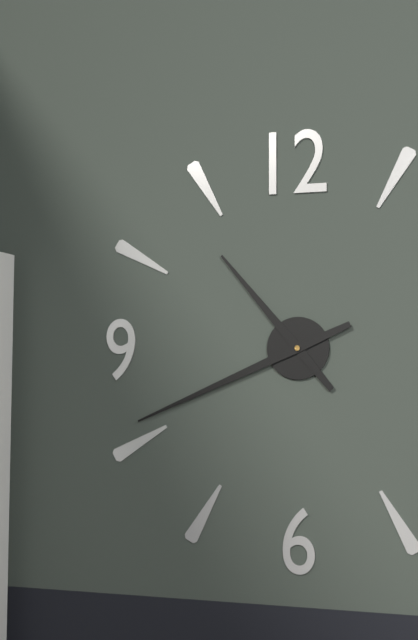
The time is **10:41**
